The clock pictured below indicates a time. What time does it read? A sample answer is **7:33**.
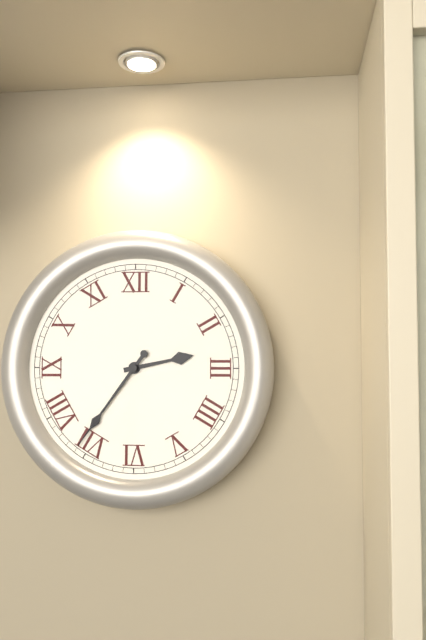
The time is **2:36**
